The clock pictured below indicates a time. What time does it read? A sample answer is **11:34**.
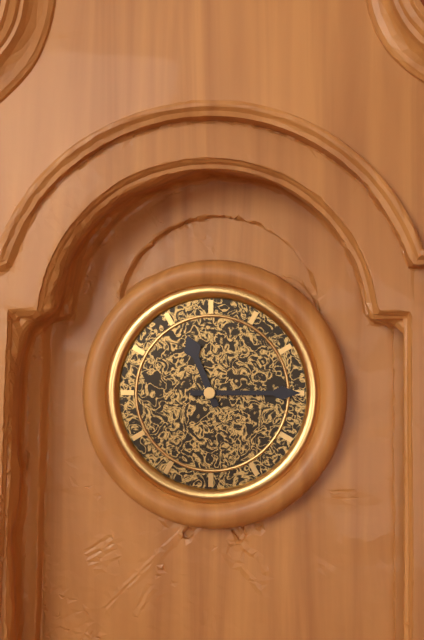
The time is **11:15**
